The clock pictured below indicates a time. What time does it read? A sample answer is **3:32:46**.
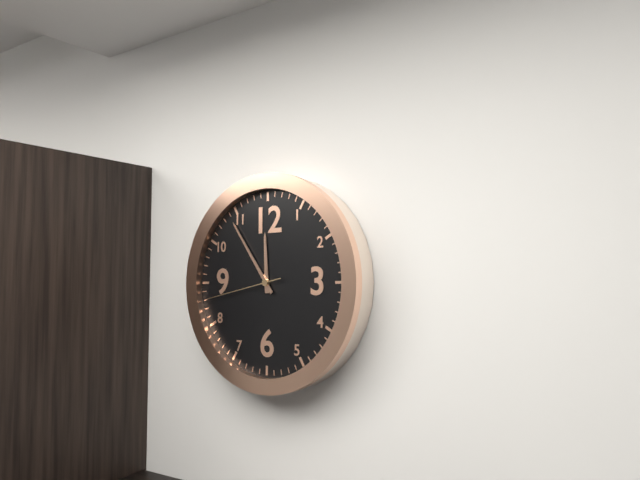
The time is **11:54:43**
